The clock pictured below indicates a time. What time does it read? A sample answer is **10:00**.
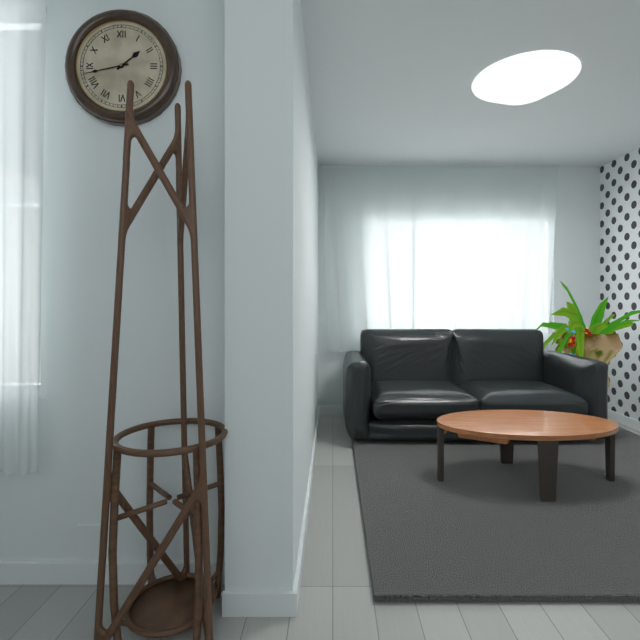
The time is **1:43**
